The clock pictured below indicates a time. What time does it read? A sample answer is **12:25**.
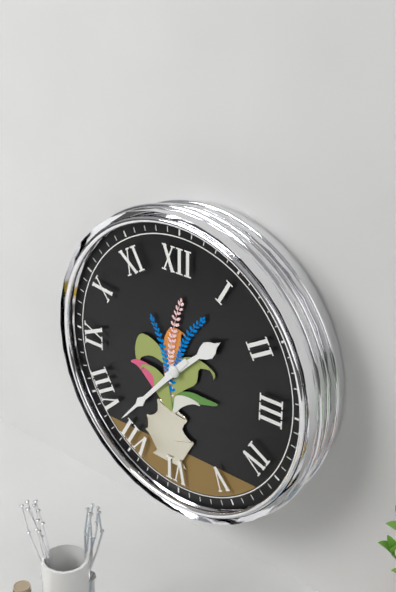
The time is **1:37**
